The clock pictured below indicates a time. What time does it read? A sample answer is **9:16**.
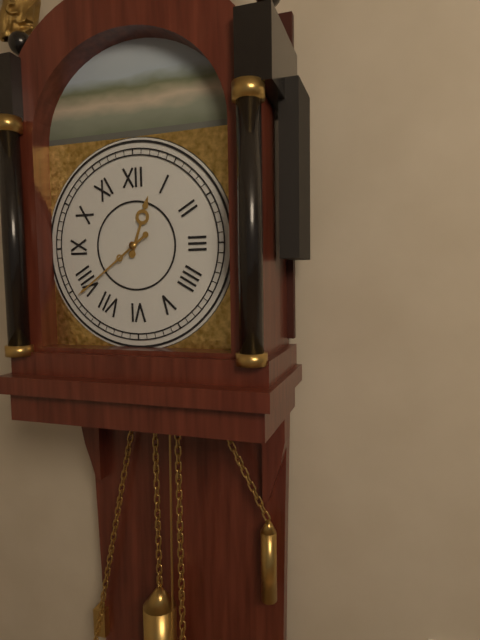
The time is **12:39**
